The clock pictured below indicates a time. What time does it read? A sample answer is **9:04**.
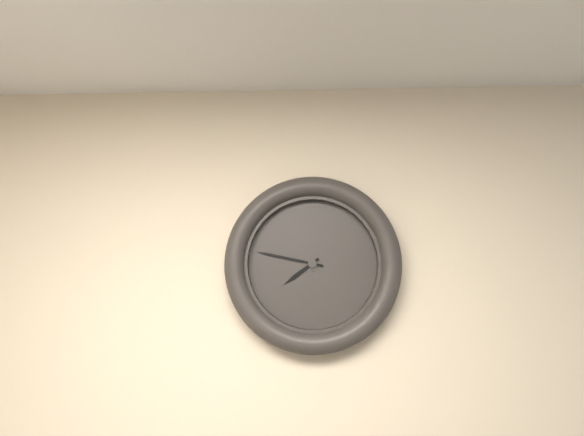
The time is **7:47**
